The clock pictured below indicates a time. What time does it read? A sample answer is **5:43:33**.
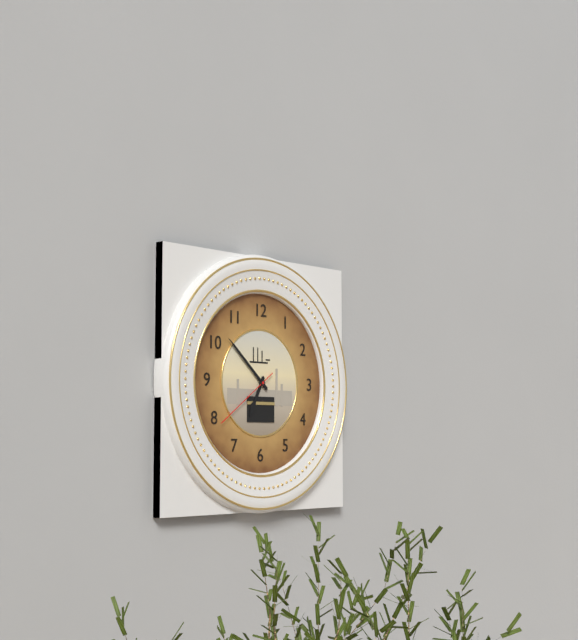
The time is **6:52:39**
